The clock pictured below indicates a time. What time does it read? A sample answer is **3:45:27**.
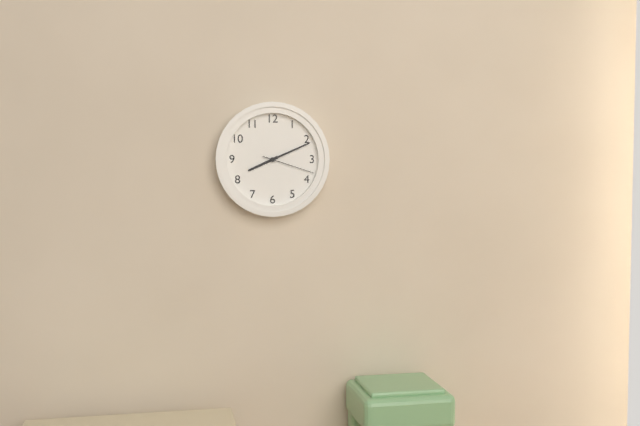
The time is **8:11:18**
